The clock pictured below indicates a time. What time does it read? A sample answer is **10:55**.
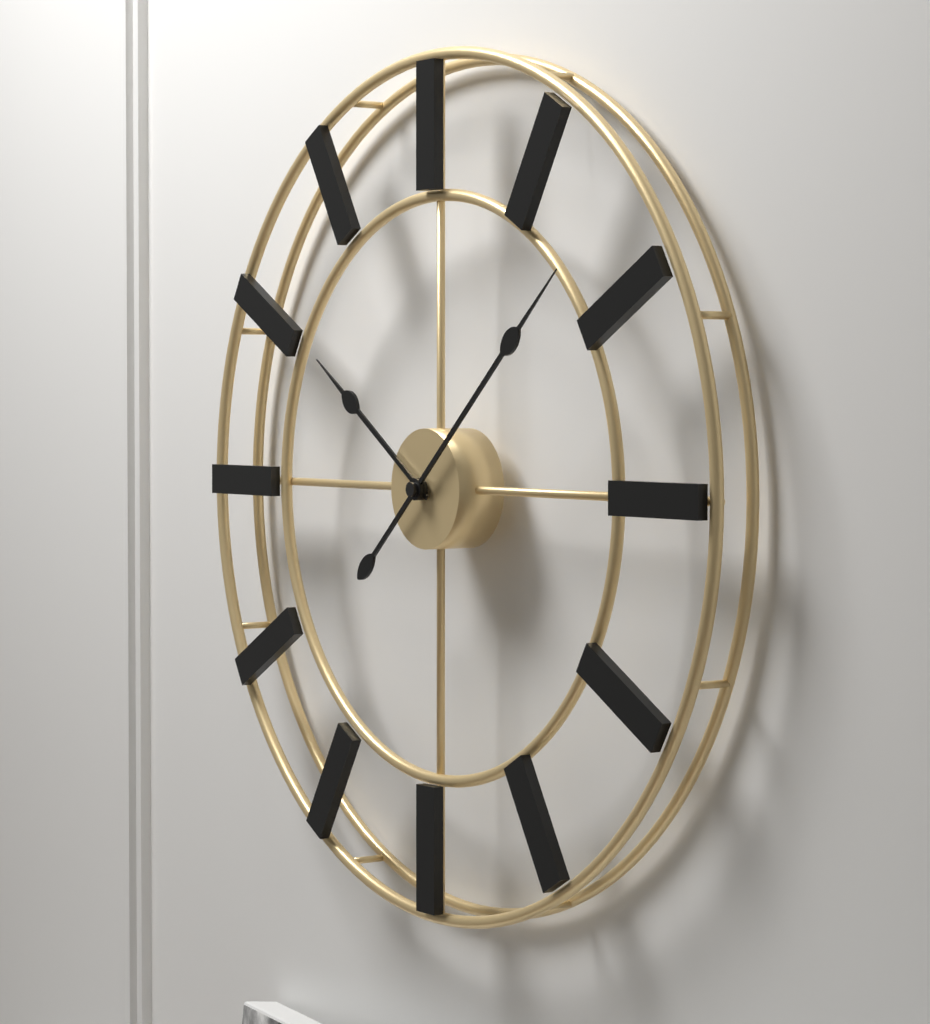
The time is **10:08**
